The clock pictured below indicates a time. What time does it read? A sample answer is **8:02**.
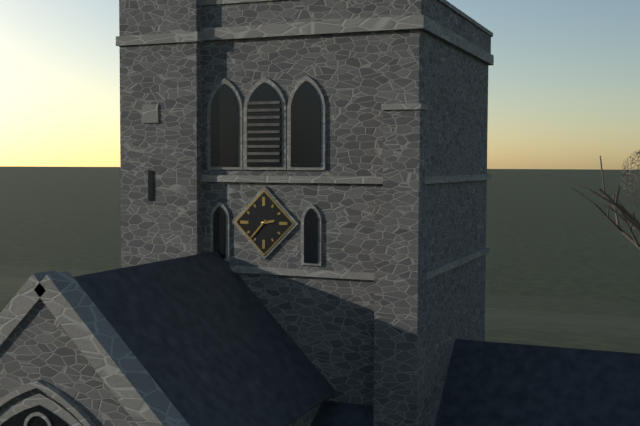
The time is **2:37**
